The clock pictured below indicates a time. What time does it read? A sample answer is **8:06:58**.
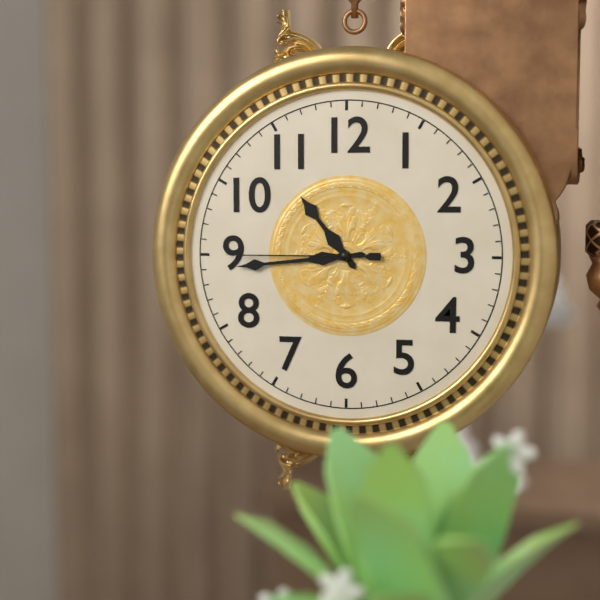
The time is **10:44:45**
